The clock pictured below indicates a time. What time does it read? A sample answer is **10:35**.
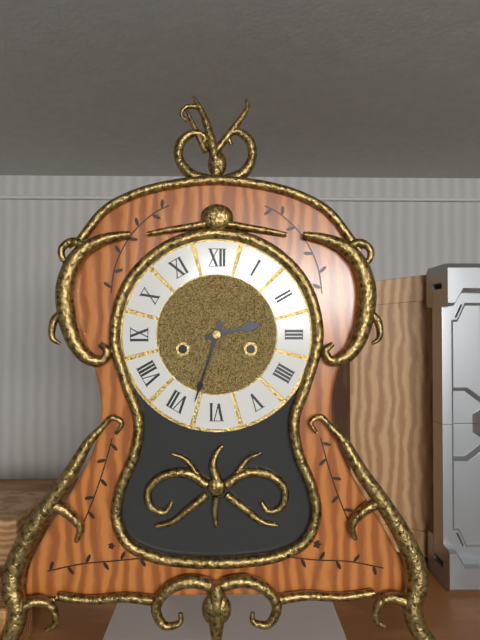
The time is **2:33**
